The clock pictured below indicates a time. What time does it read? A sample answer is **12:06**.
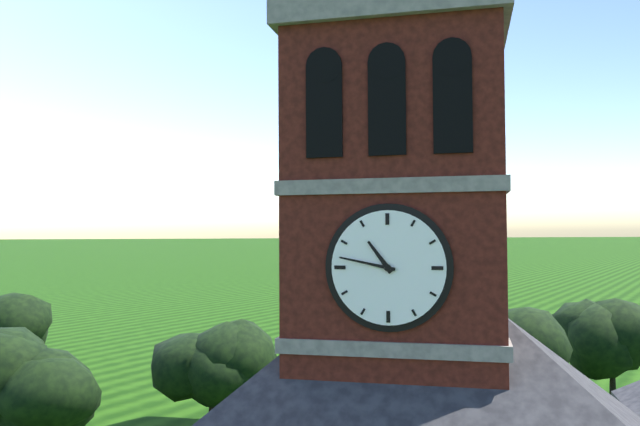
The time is **10:47**
